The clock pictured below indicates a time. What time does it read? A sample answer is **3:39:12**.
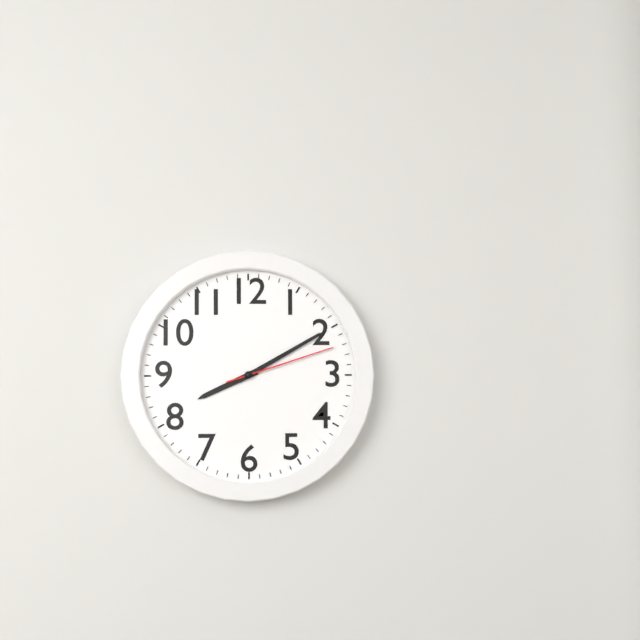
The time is **8:10:12**
